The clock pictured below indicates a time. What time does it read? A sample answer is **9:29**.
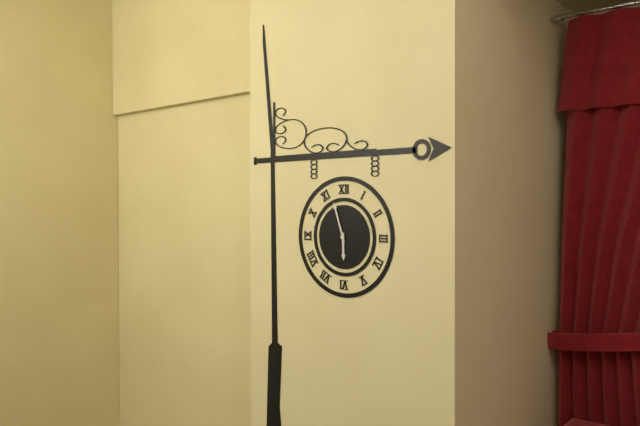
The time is **5:57**
